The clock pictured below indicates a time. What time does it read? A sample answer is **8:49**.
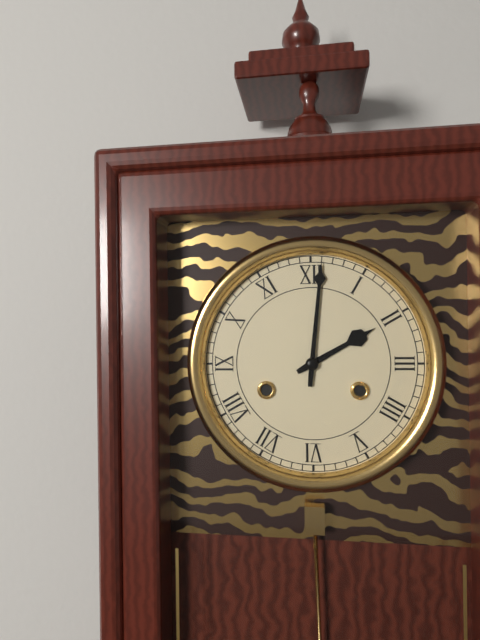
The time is **2:01**
